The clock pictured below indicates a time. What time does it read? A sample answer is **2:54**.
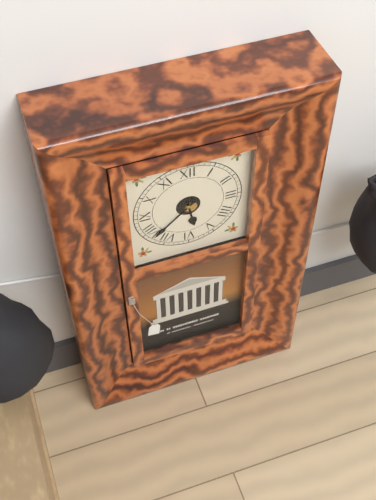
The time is **5:38**
